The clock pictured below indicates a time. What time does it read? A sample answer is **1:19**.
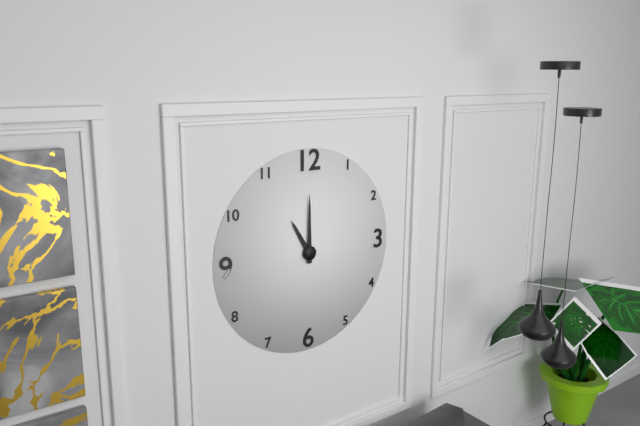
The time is **11:00**
